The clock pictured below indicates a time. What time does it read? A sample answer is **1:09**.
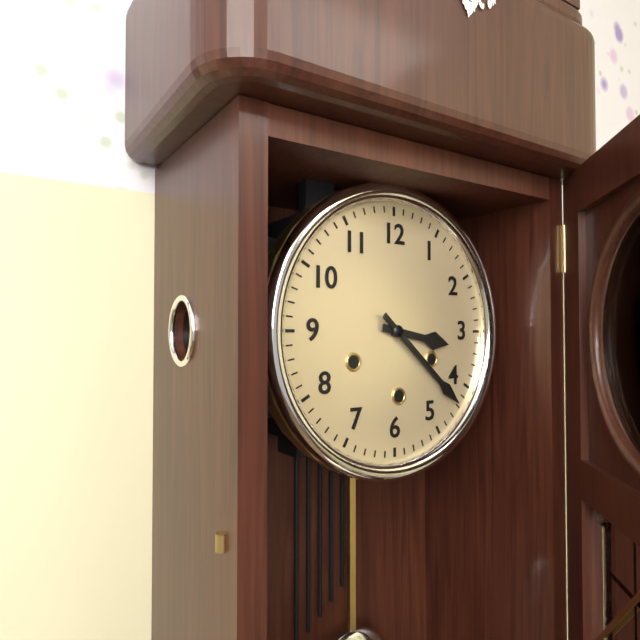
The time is **3:22**
